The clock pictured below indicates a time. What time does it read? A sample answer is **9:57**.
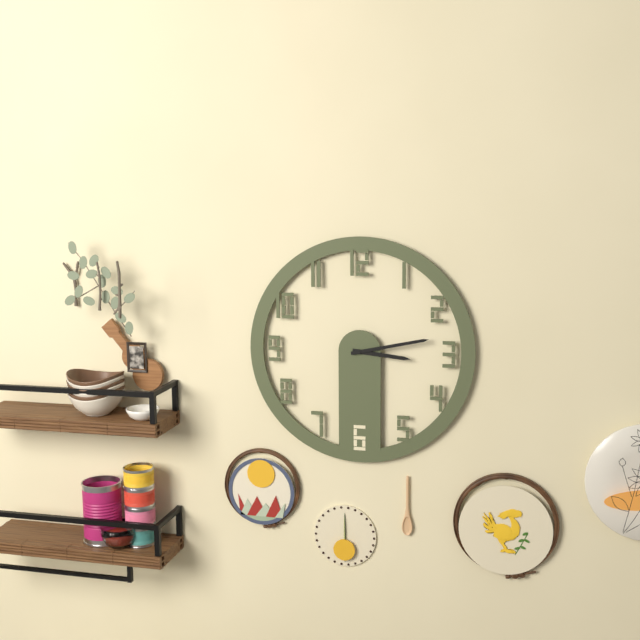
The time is **3:13**
